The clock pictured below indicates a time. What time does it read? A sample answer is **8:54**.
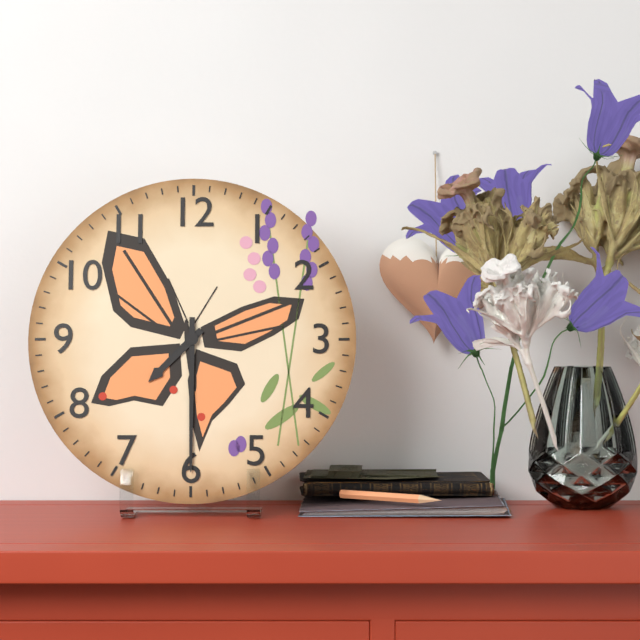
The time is **7:30**
